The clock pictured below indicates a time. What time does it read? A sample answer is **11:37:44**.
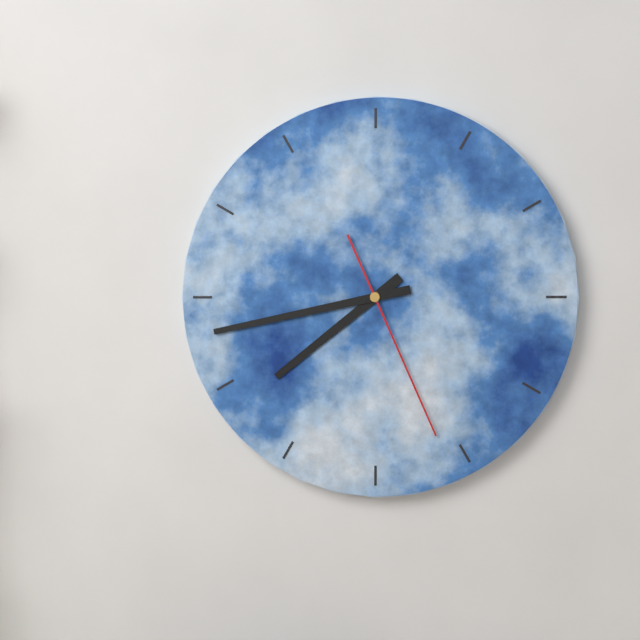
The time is **7:43:26**
